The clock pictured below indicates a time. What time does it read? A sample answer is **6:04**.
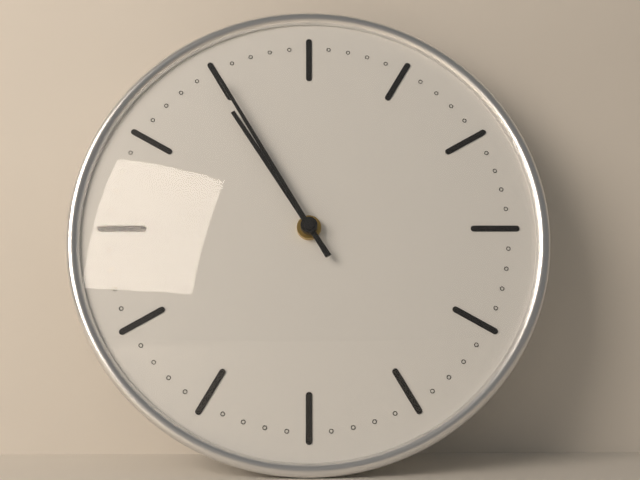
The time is **10:55**
